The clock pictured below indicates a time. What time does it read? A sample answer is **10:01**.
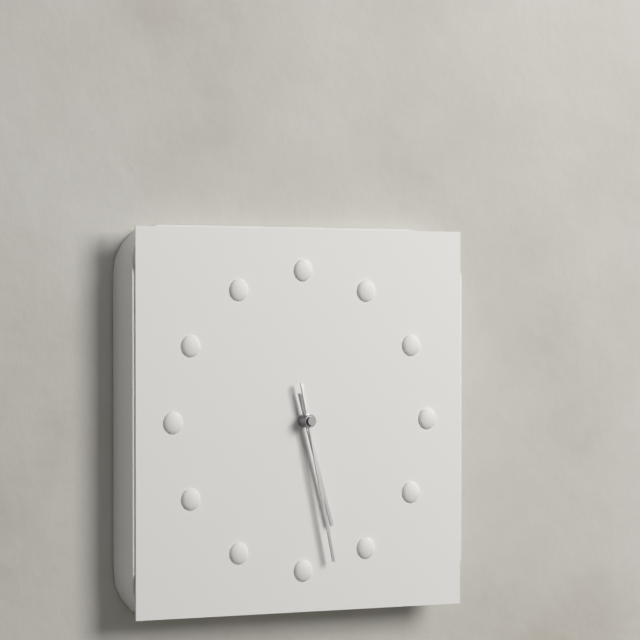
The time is **5:28**
